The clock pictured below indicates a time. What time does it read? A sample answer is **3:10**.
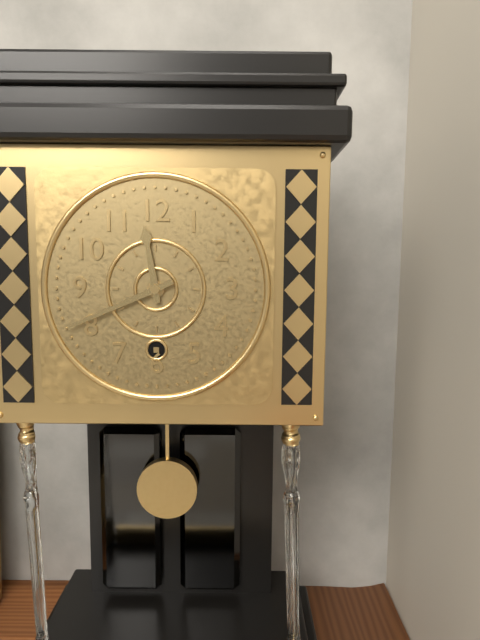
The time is **11:41**
